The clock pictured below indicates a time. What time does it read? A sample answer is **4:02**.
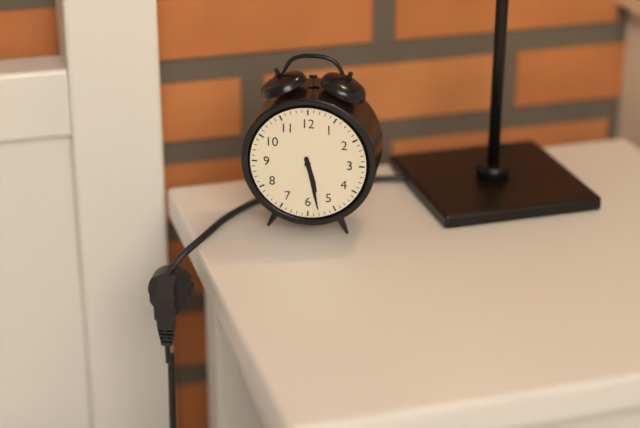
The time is **5:28**
